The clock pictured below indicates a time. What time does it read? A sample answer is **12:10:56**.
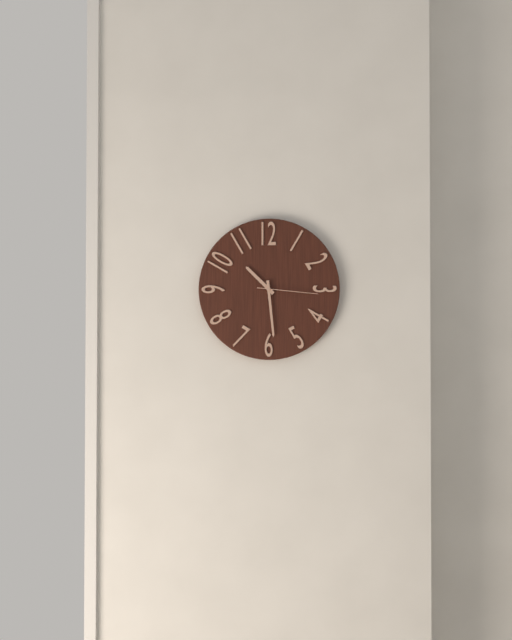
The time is **10:29:16**
